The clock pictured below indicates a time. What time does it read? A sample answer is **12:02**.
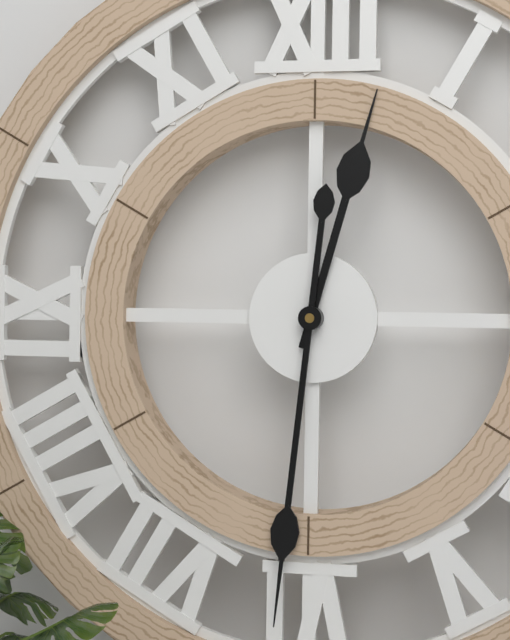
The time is **12:31**
